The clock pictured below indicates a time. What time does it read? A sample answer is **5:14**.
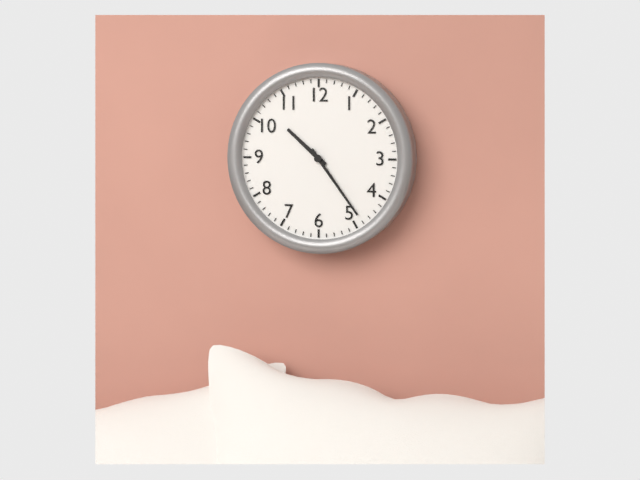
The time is **10:24**
